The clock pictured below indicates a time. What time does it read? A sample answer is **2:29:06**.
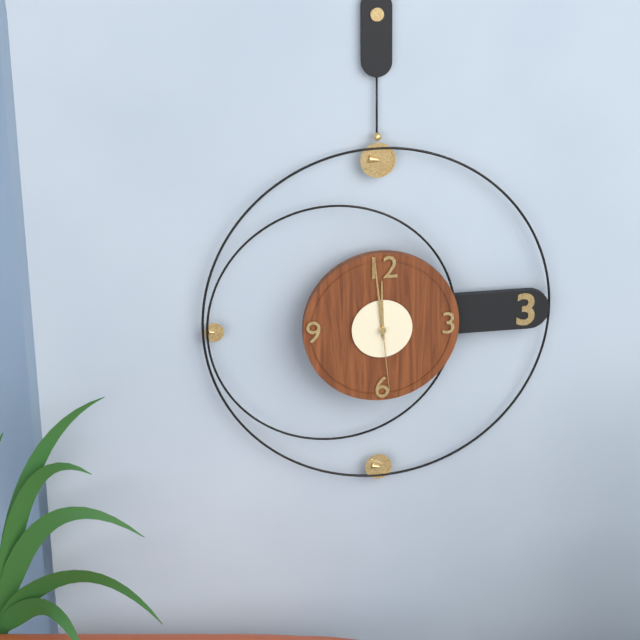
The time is **11:59:29**
